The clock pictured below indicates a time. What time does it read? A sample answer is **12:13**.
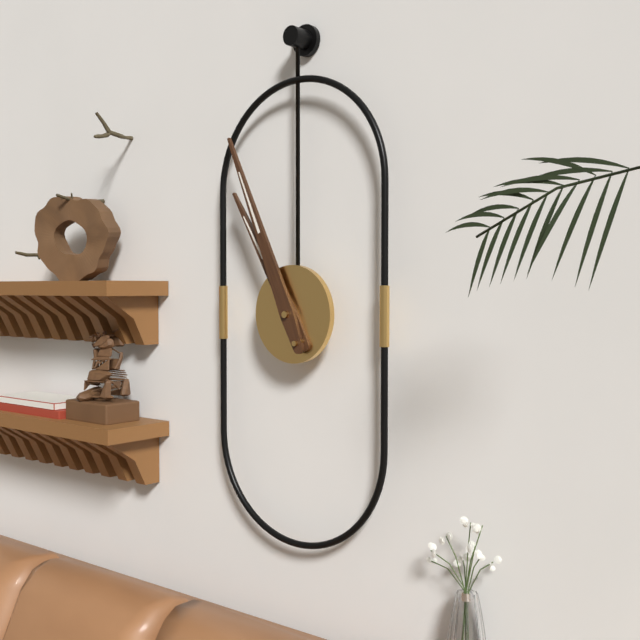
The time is **10:56**
